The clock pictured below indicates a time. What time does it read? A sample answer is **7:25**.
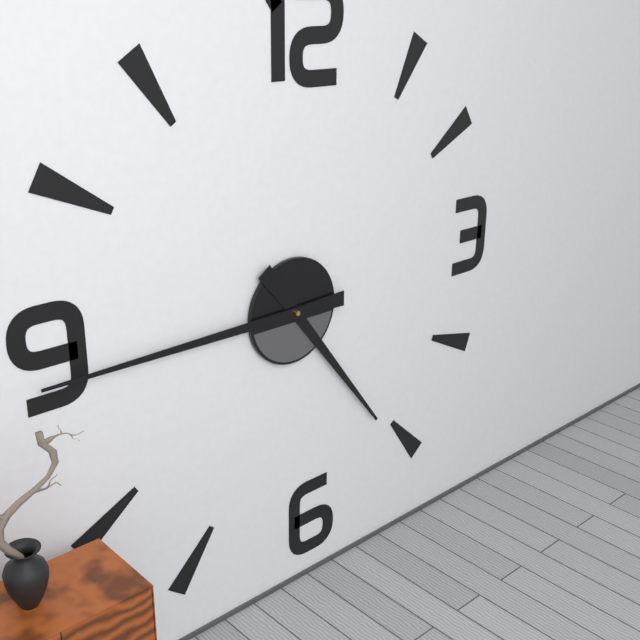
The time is **4:45**
